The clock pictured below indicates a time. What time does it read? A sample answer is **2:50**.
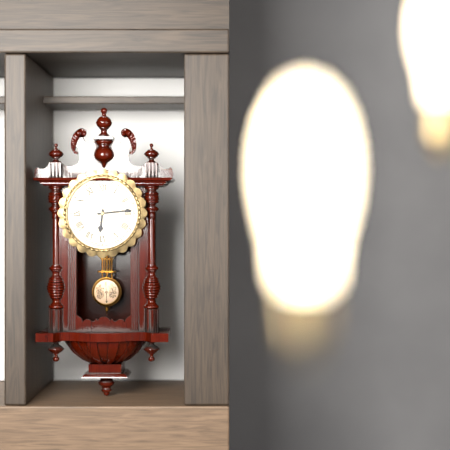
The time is **6:14**
